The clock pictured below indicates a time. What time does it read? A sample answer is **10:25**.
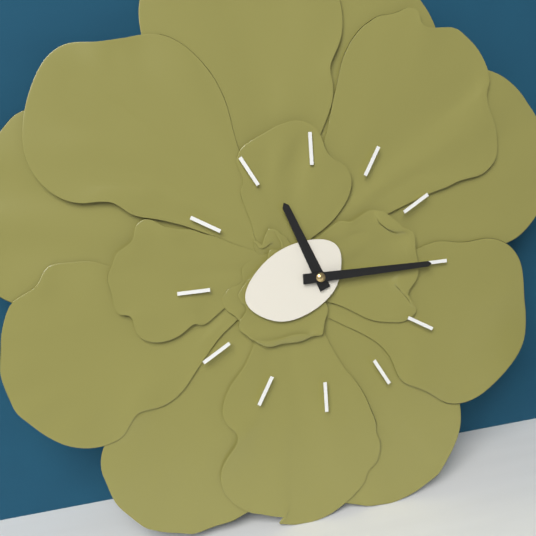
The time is **11:15**
